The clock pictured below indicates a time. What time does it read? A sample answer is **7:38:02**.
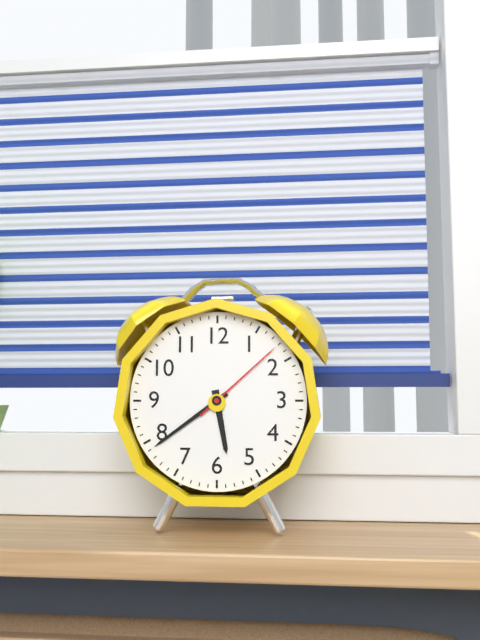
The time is **5:39:08**
